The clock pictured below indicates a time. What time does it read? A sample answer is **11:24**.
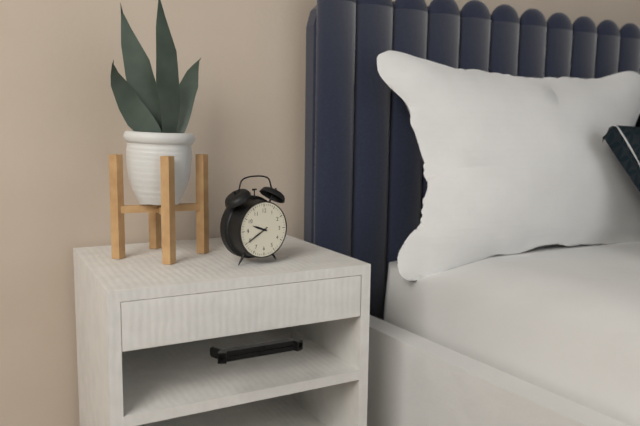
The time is **9:40**
